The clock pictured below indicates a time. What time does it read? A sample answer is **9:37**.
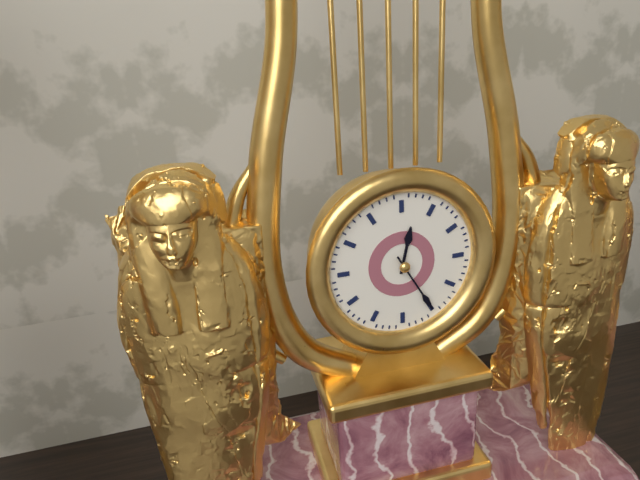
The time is **12:25**
